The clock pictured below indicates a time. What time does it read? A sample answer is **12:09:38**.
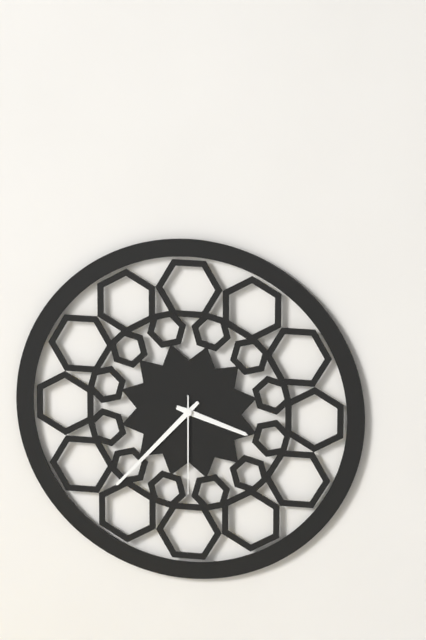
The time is **3:37:30**
